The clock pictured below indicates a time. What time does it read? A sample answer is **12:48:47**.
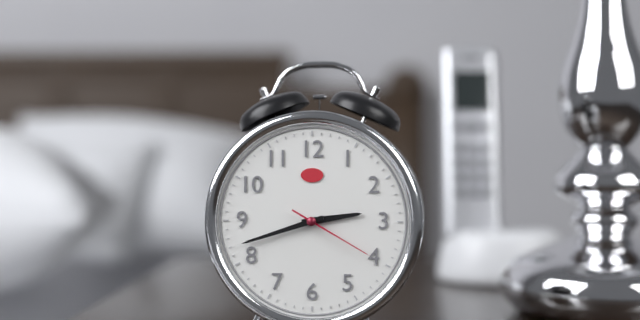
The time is **2:42:20**
